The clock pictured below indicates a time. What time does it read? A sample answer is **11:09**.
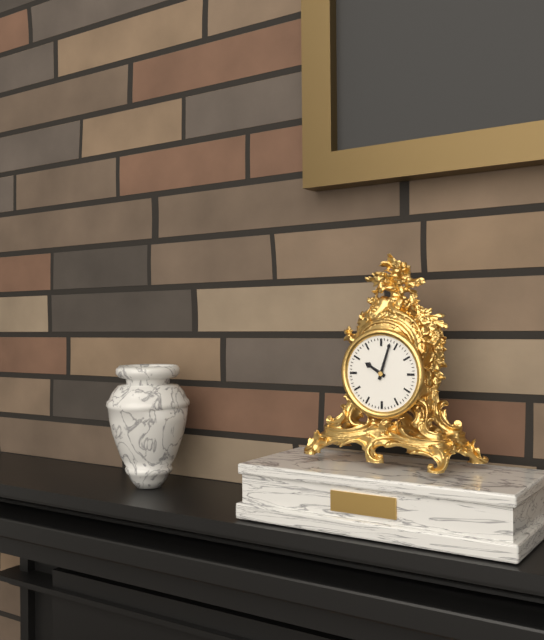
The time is **10:03**
